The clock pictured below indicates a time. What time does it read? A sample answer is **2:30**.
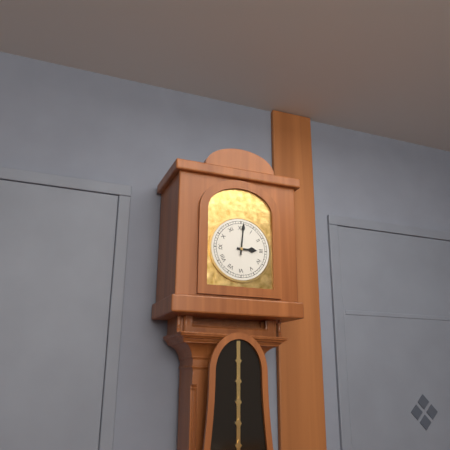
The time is **3:01**
